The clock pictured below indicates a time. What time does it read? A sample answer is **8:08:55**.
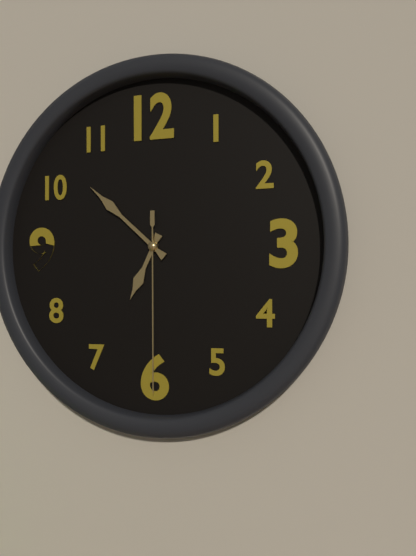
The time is **6:52:30**
